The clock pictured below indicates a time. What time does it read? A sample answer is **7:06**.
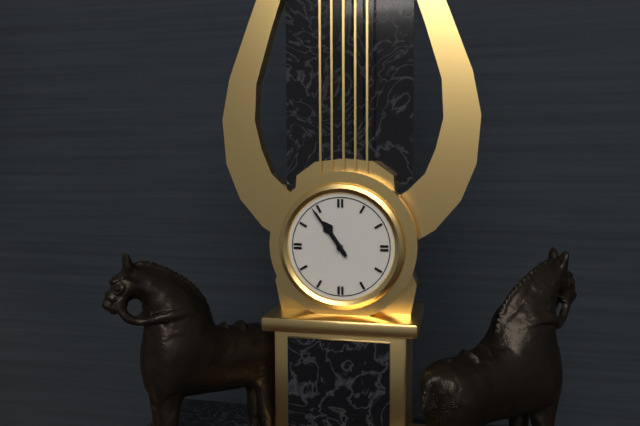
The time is **10:54**
